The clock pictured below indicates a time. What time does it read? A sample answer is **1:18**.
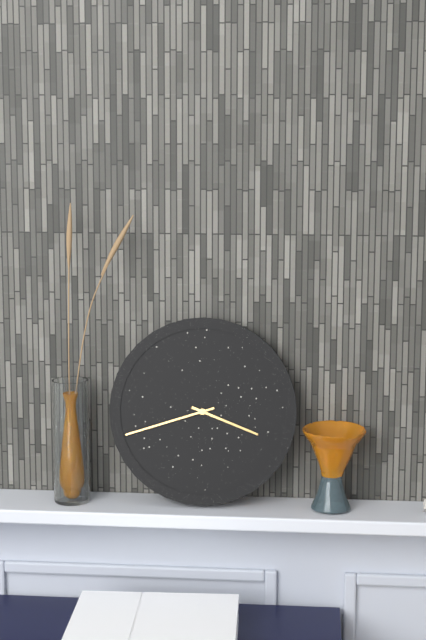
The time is **3:42**
